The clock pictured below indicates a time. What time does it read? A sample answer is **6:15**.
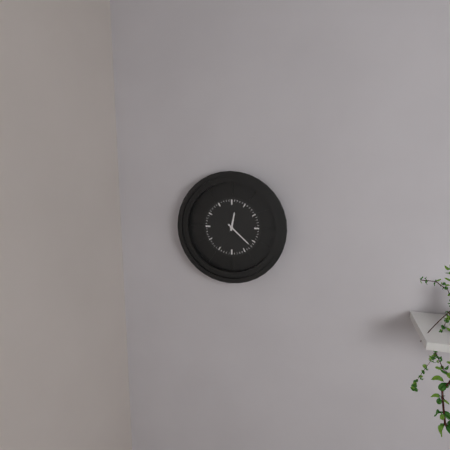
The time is **12:22**
